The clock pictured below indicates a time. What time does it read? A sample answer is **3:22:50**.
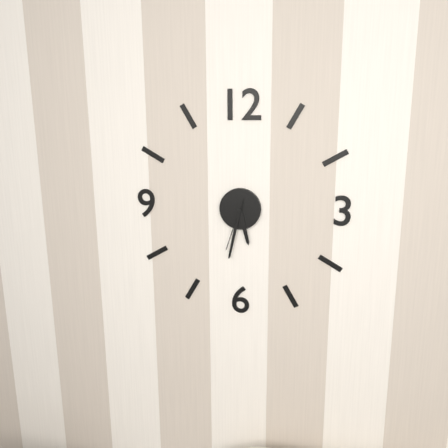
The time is **5:32:33**
